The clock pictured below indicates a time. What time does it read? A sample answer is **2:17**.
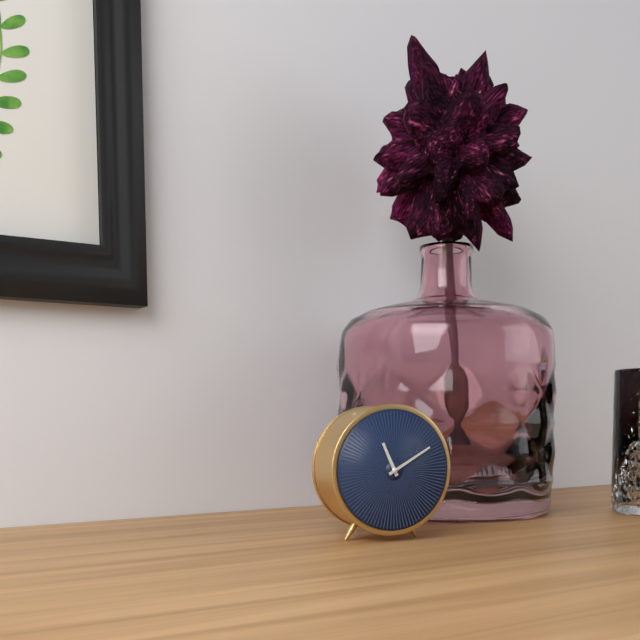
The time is **11:10**
